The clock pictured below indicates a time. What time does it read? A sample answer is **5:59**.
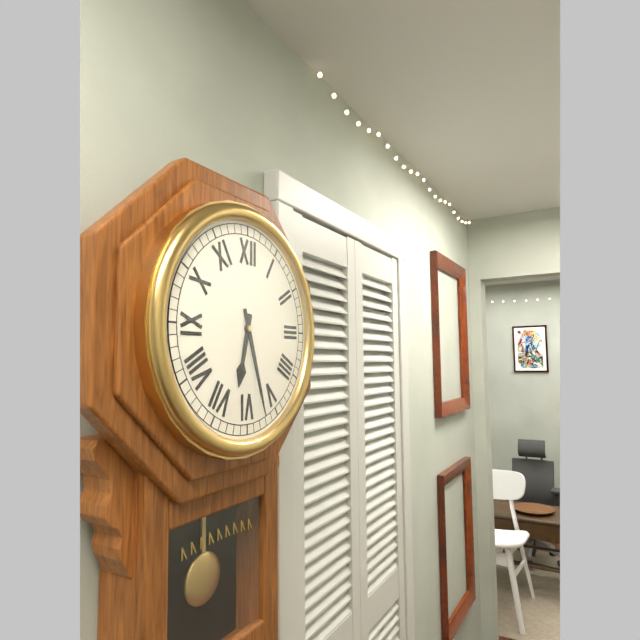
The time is **6:27**
